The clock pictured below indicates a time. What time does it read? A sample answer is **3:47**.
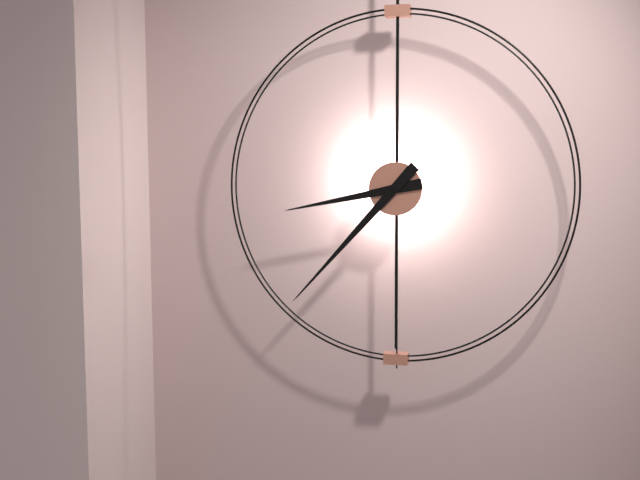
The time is **8:37**
